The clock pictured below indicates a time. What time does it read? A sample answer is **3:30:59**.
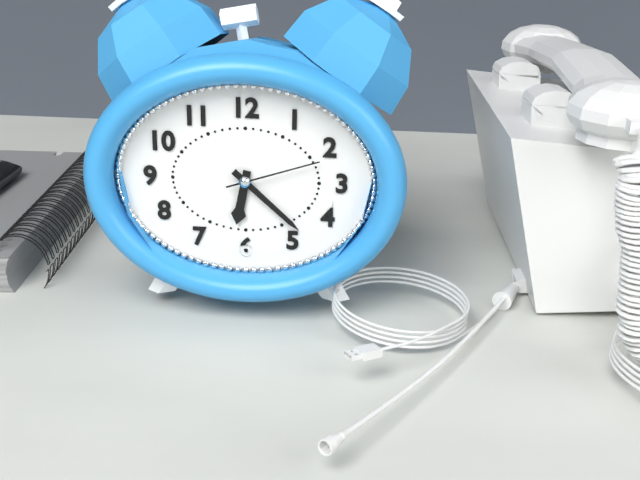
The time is **6:22:12**
